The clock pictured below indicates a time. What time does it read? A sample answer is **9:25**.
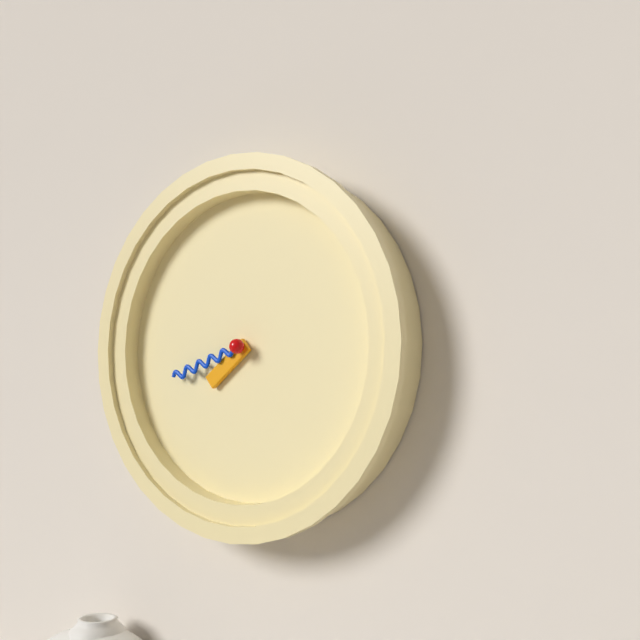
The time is **7:42**
